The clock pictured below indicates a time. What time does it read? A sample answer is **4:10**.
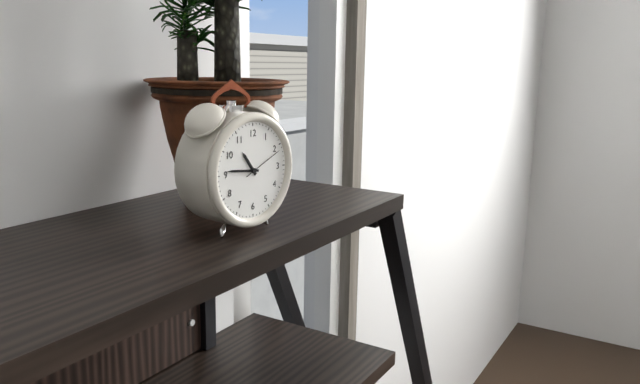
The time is **10:46**
